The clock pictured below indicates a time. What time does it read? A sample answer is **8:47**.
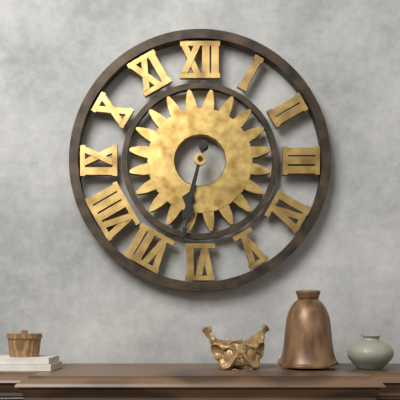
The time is **6:32**
